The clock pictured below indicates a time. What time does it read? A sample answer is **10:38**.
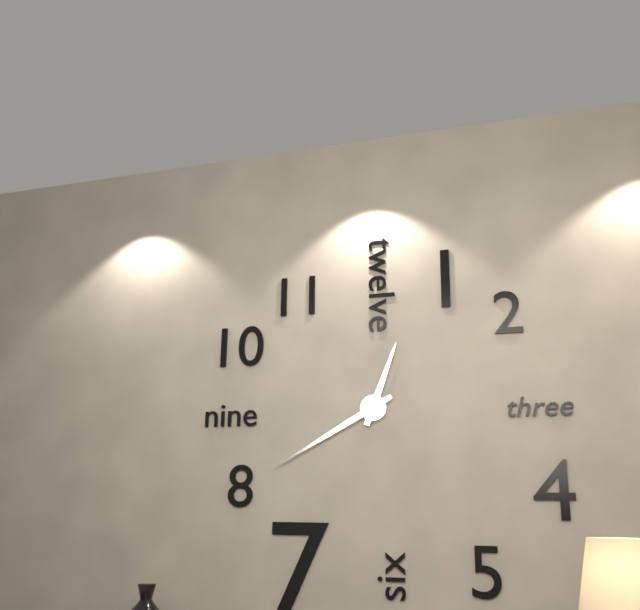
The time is **12:40**
